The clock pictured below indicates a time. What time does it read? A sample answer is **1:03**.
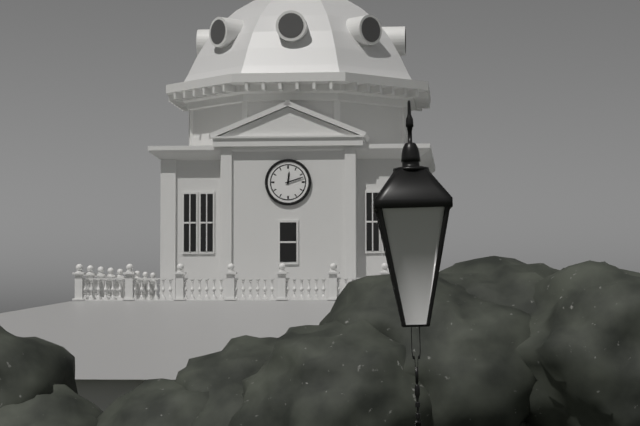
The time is **12:12**
